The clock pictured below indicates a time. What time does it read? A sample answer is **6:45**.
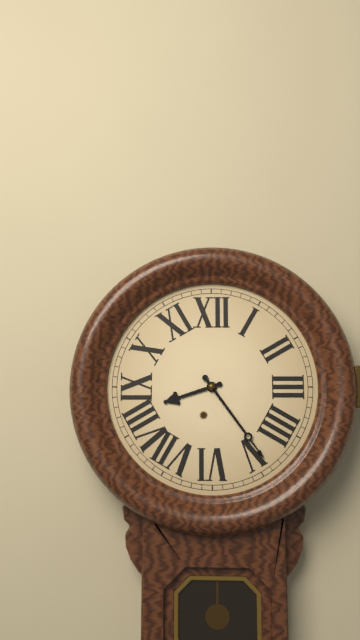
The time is **8:24**
